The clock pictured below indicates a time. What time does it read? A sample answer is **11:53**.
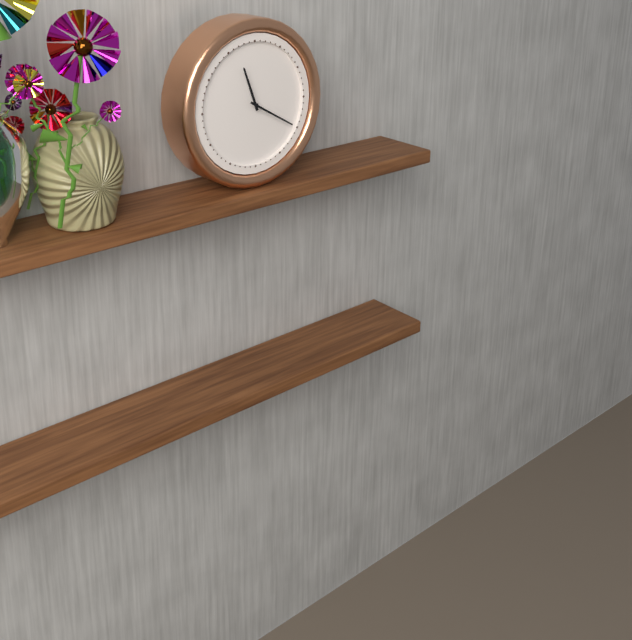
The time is **11:20**
